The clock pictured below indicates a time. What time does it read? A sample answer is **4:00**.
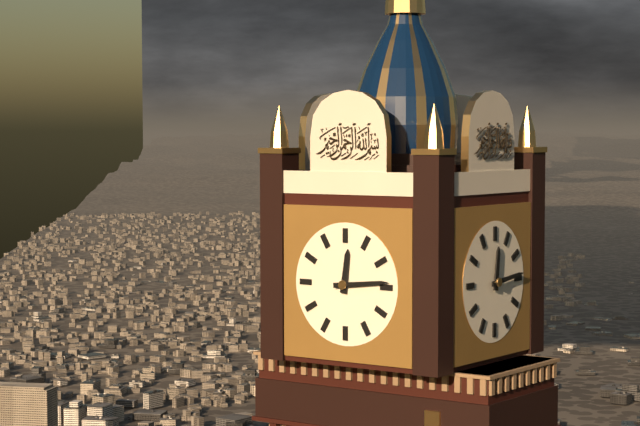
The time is **12:14**
